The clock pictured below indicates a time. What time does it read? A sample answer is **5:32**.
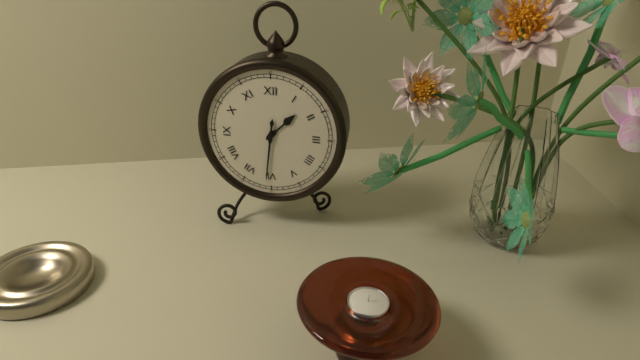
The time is **1:31**
